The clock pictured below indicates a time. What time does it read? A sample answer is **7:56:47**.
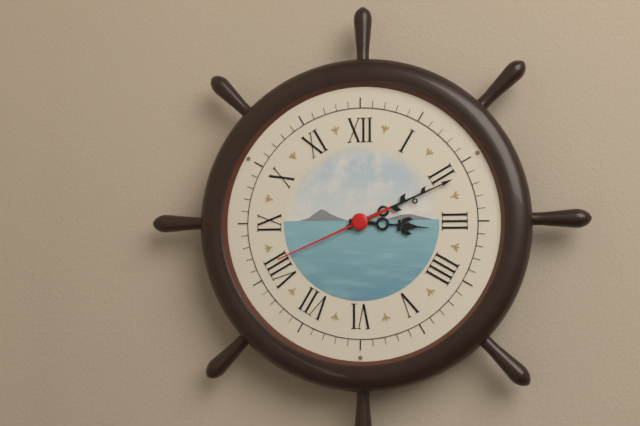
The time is **3:11:41**
